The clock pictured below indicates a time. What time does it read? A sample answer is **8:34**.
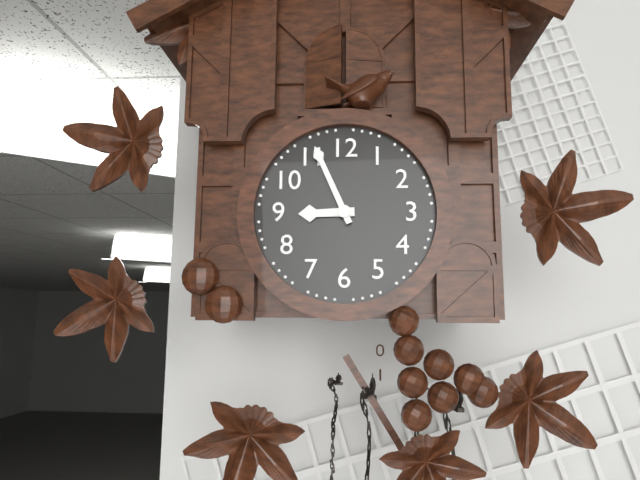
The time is **8:56**
